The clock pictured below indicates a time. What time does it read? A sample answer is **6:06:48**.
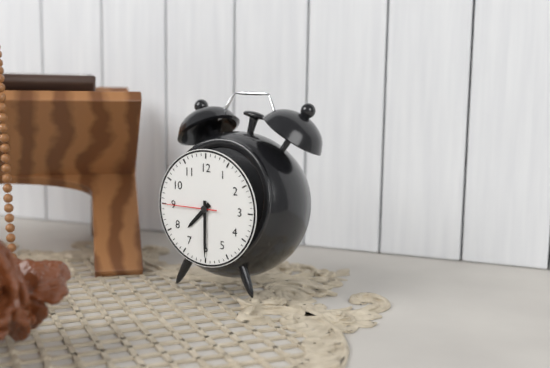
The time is **7:30:45**
